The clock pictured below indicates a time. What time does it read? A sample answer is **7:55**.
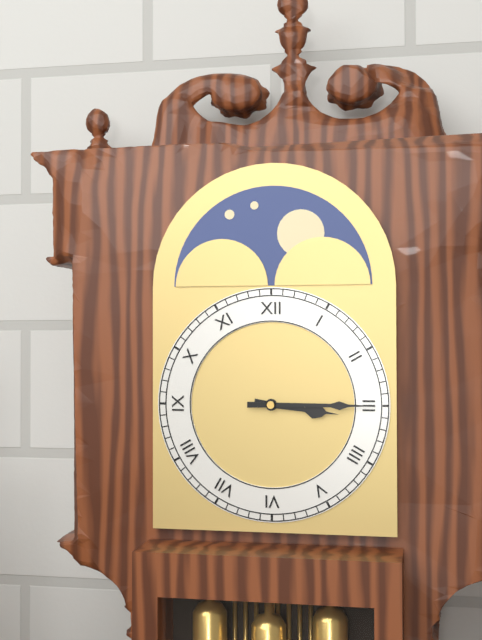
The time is **3:15**
